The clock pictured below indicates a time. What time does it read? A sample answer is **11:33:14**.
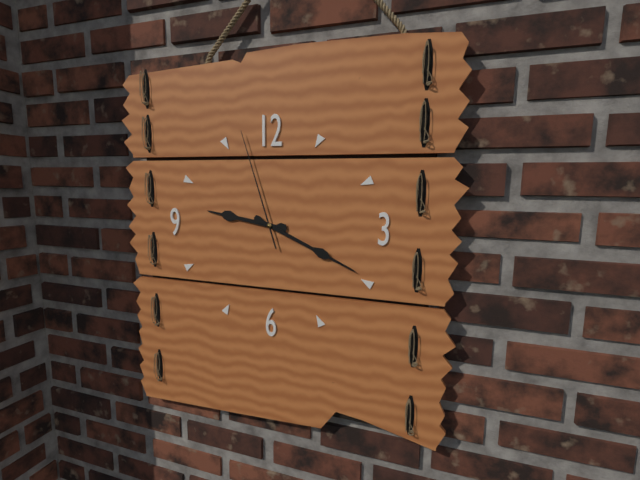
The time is **9:19:57**
